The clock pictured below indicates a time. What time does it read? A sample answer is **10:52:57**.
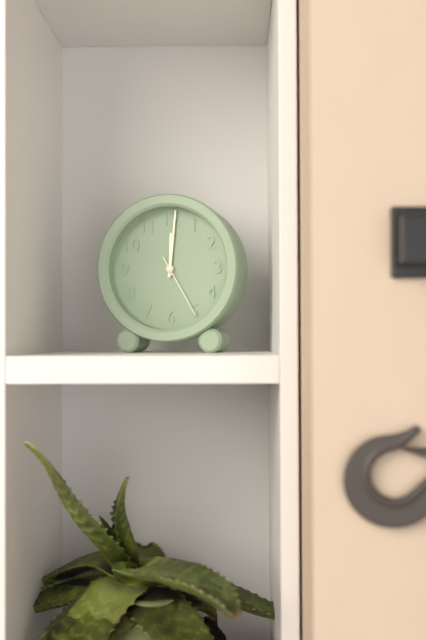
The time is **12:01:25**
